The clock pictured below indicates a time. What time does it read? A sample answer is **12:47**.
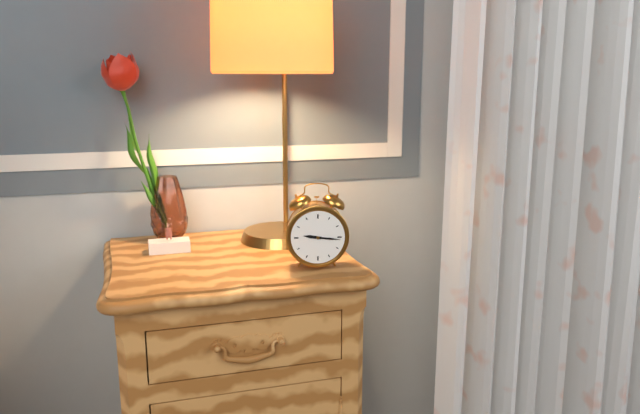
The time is **9:16**
